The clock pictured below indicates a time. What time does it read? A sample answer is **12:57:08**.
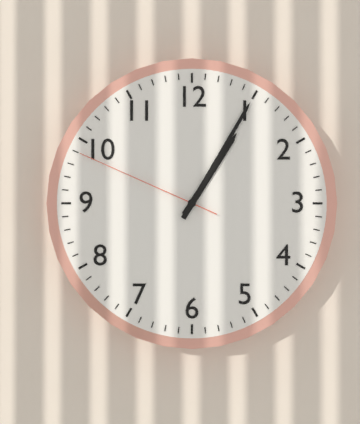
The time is **1:05:49**
